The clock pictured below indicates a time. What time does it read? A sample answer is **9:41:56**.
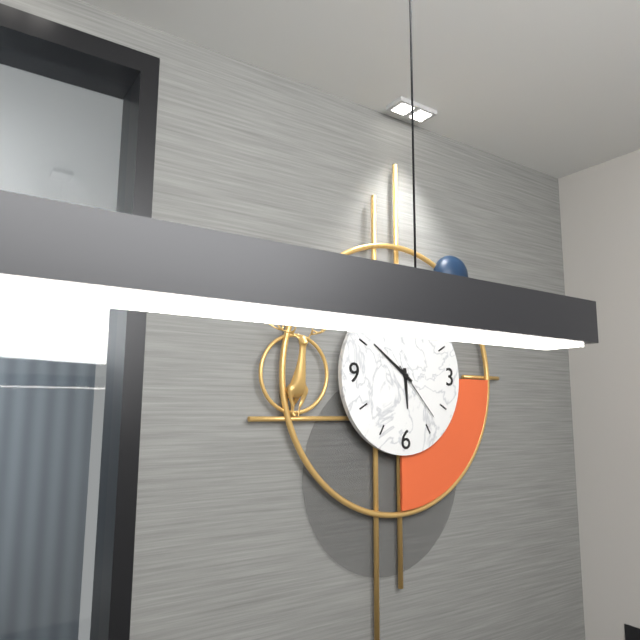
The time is **5:51:23**
